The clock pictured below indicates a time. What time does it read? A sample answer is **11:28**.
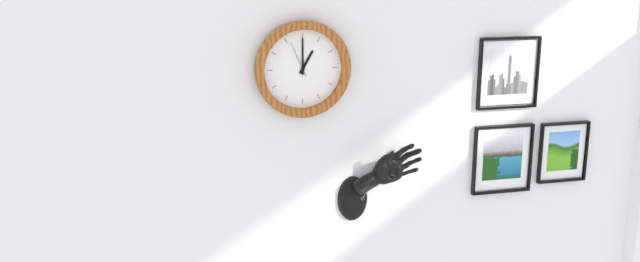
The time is **1:00**
